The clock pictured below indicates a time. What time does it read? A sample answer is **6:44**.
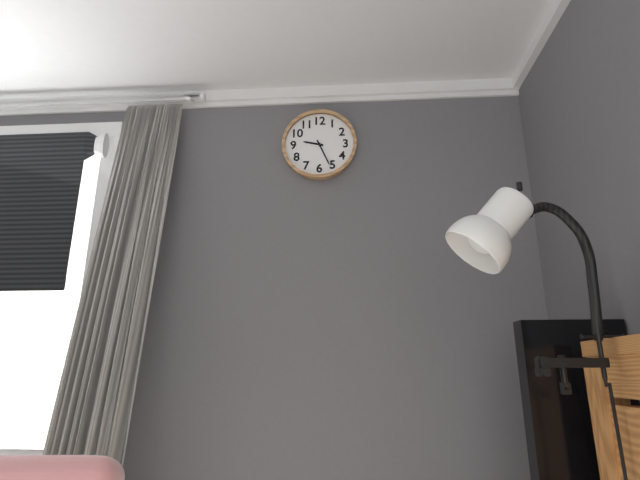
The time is **9:26**
